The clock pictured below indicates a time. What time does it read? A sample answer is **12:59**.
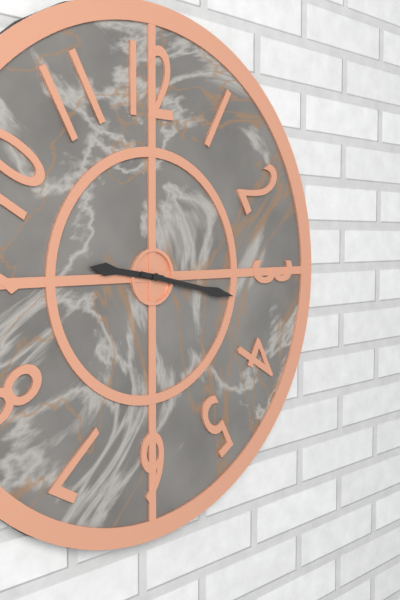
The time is **9:17**
